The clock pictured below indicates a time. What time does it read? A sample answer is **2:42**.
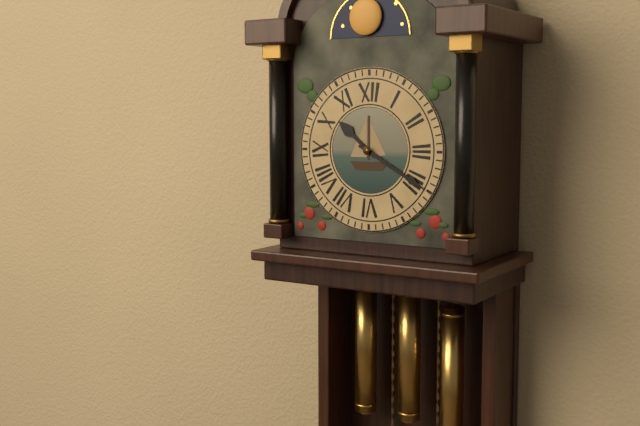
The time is **10:20**
